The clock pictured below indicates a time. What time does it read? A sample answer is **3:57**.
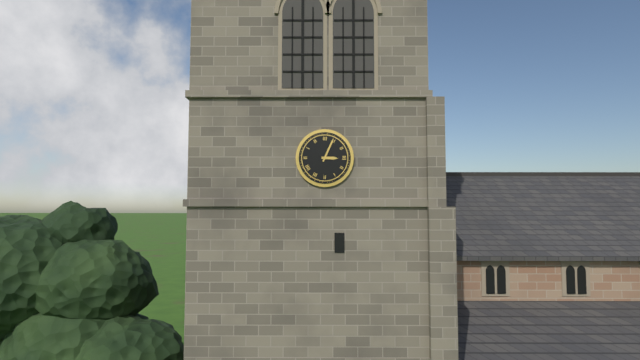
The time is **3:04**
